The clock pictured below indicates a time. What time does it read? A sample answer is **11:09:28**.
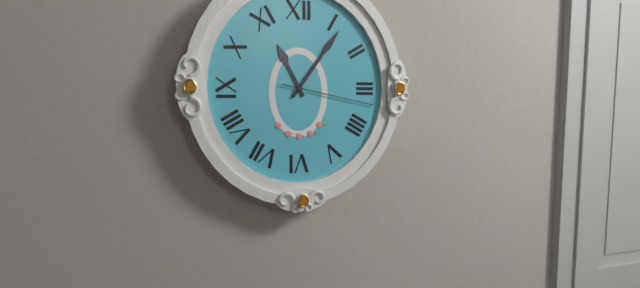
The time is **11:06:17**
